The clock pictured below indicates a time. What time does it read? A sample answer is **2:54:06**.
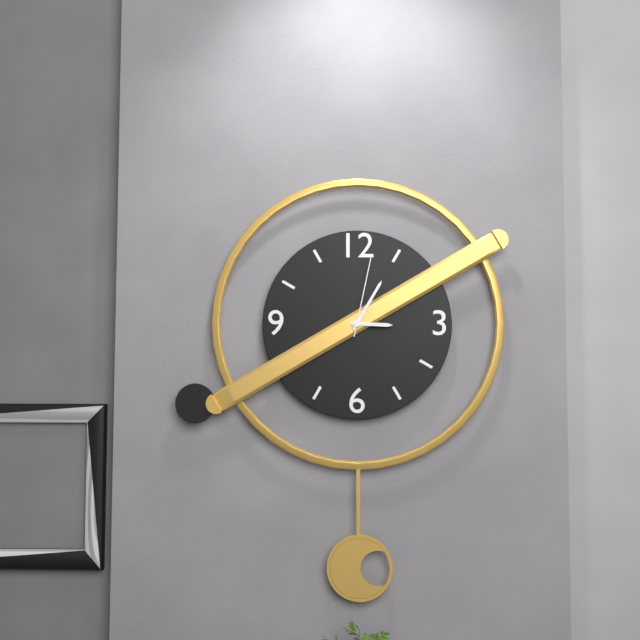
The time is **3:05:02**
